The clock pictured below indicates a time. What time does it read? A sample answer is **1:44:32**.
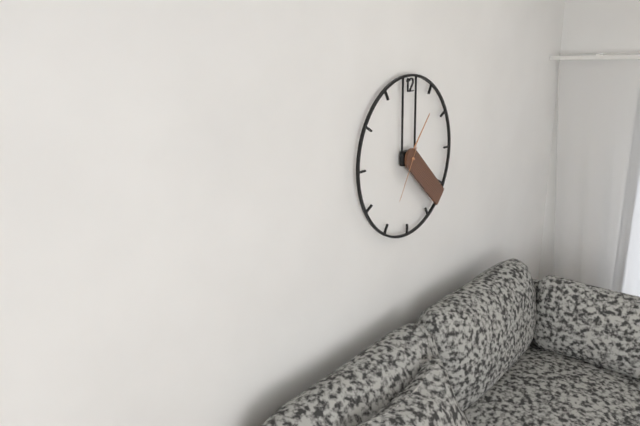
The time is **1:22:35**
